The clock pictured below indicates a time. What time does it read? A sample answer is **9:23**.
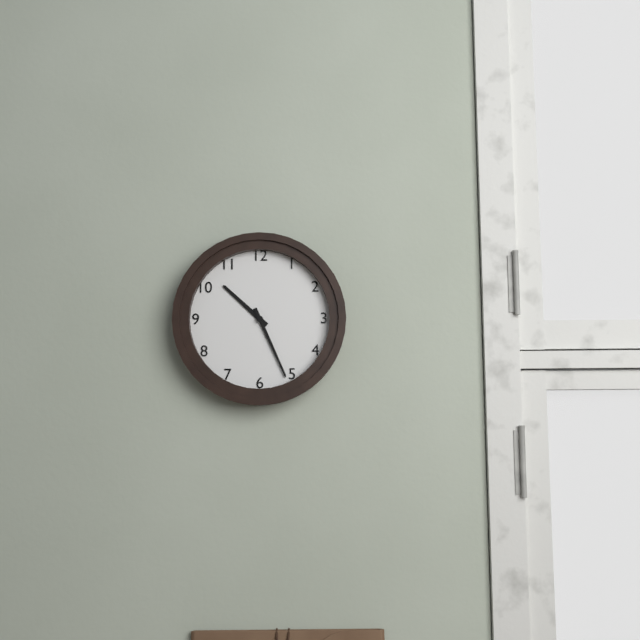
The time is **10:26**
